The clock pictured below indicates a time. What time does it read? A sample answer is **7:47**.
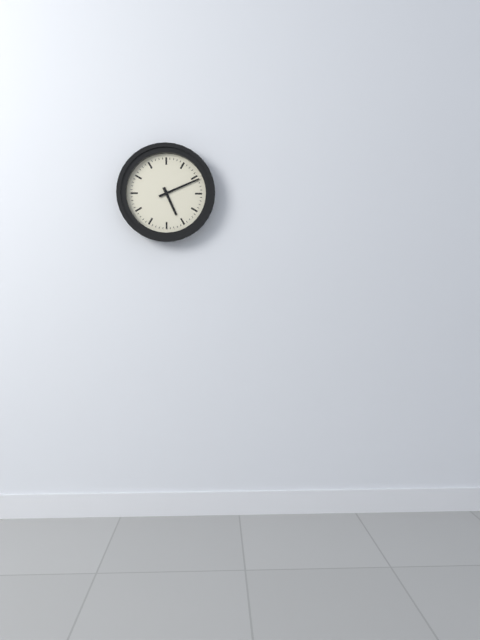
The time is **5:11**
